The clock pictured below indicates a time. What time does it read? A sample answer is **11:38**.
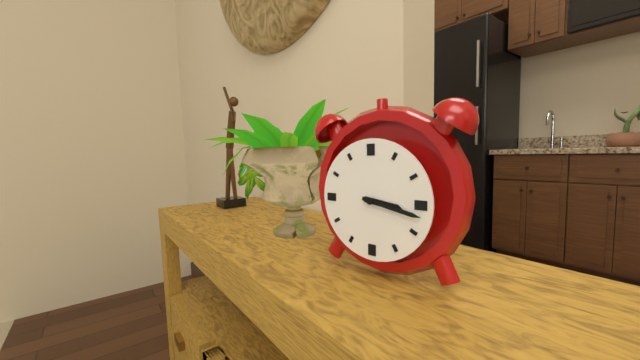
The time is **3:17**
